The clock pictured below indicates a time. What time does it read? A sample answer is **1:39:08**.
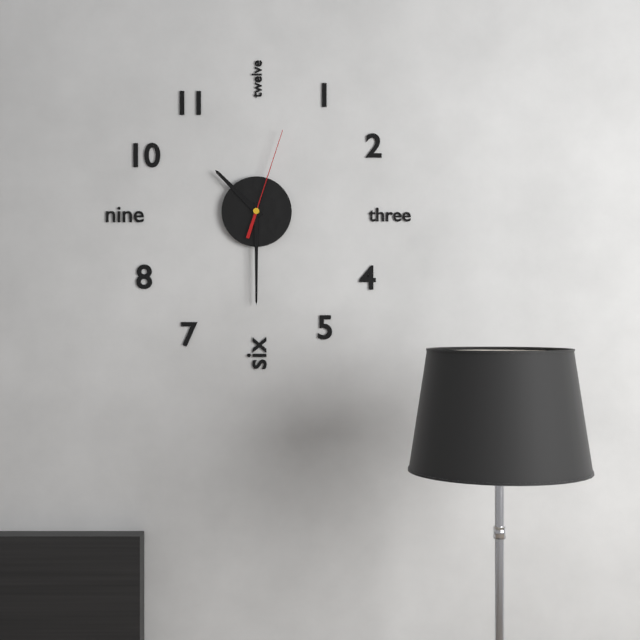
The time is **10:30:03**
